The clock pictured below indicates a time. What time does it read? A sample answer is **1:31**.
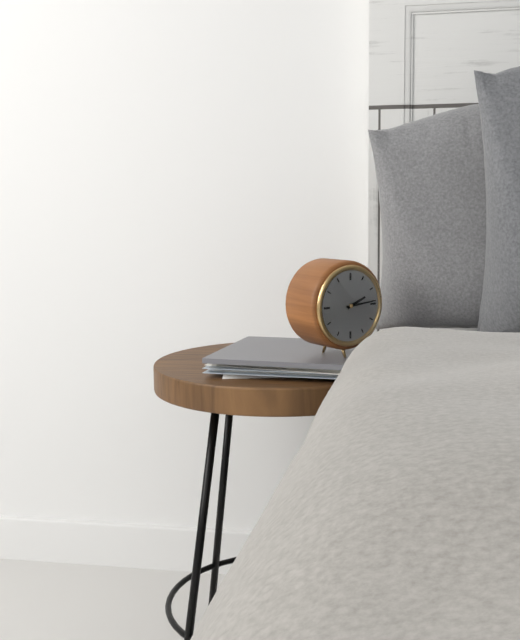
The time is **2:14**
